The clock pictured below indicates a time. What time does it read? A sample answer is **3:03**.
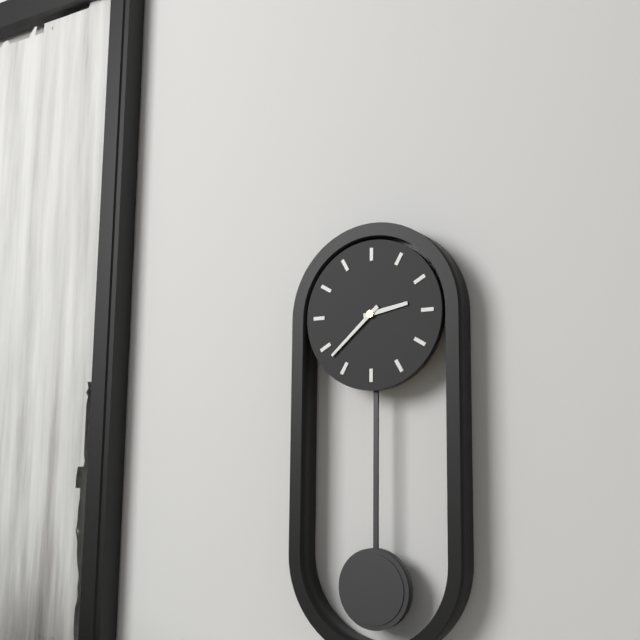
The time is **2:38**
